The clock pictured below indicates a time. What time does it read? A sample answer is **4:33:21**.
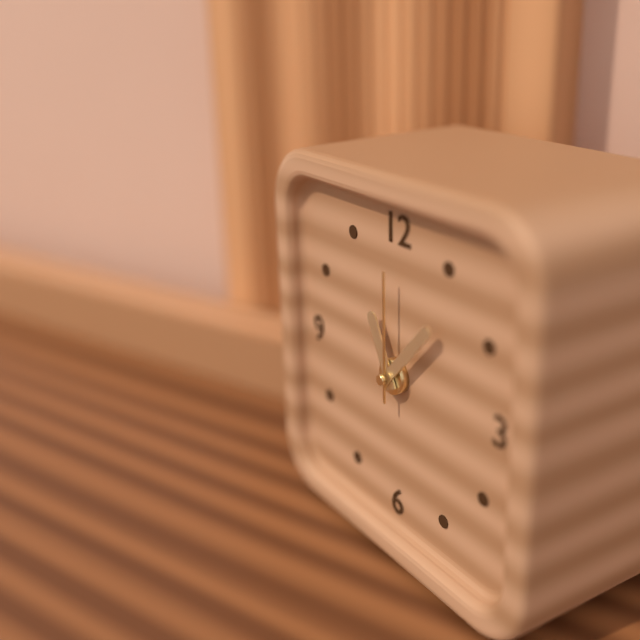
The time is **11:07:00**
